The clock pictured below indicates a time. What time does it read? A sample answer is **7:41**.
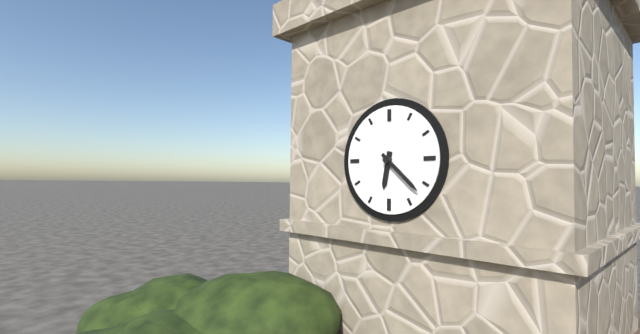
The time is **6:22**
